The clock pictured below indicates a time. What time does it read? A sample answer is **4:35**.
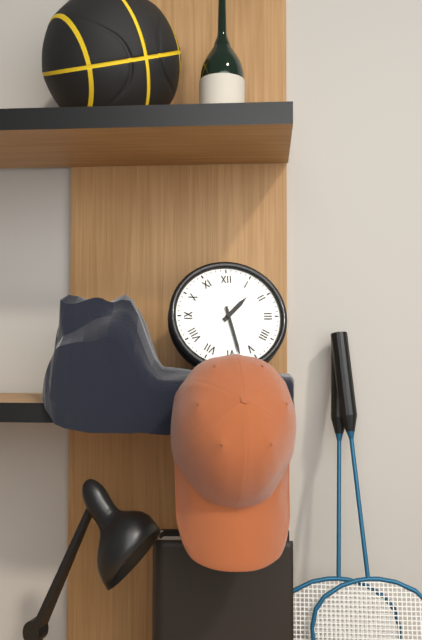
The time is **1:28**
